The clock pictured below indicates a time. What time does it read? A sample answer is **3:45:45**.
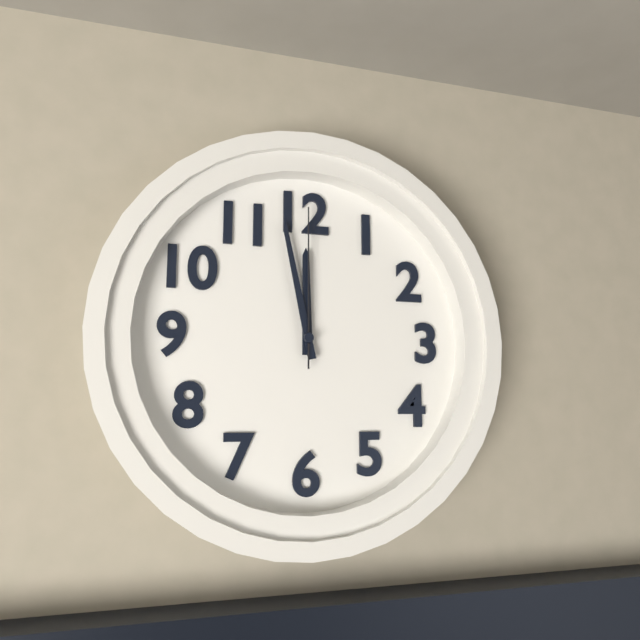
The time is **11:58:00**
